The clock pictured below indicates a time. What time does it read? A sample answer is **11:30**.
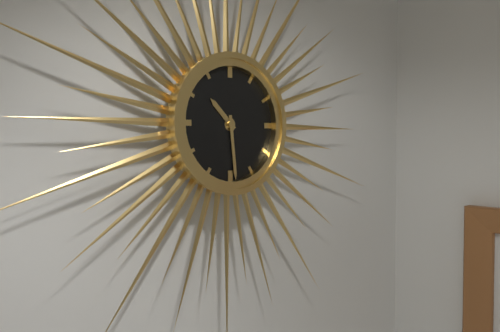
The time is **10:29**
